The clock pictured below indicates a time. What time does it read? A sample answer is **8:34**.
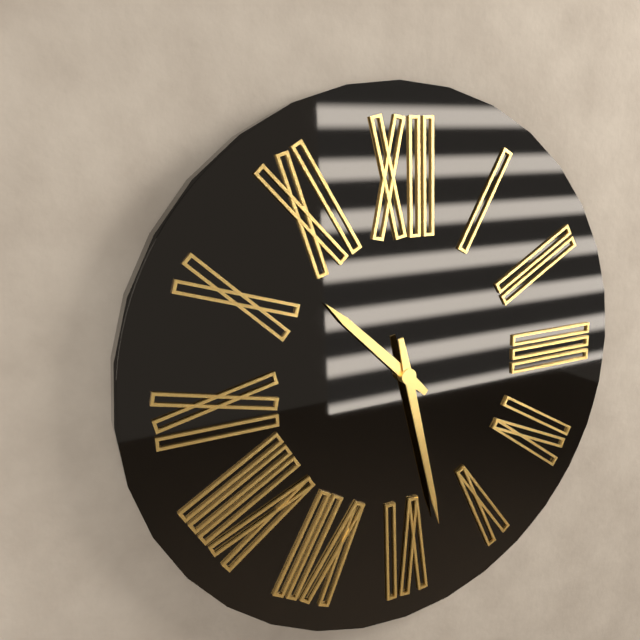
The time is **10:28**
